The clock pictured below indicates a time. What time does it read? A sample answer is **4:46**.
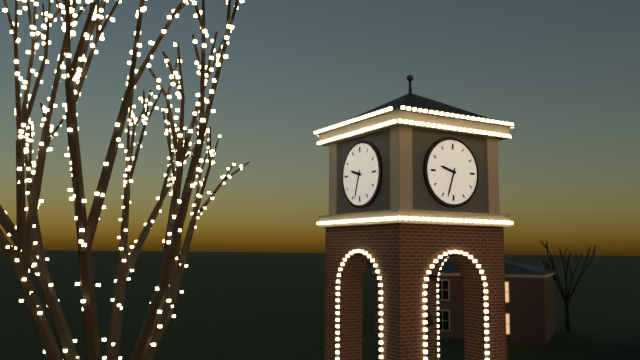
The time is **9:33**
